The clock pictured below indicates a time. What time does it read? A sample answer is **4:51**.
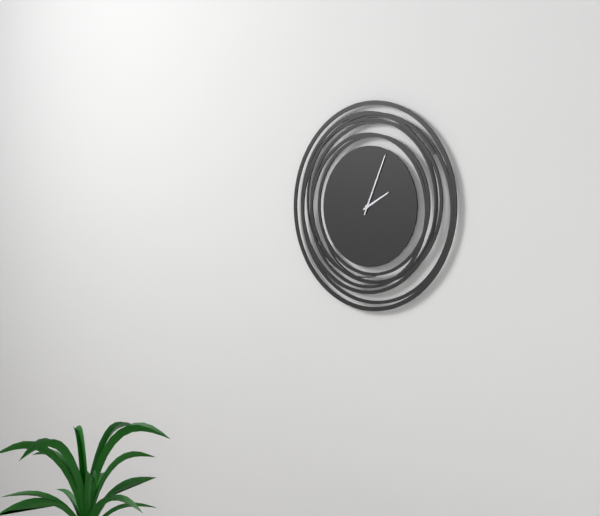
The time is **2:04**
